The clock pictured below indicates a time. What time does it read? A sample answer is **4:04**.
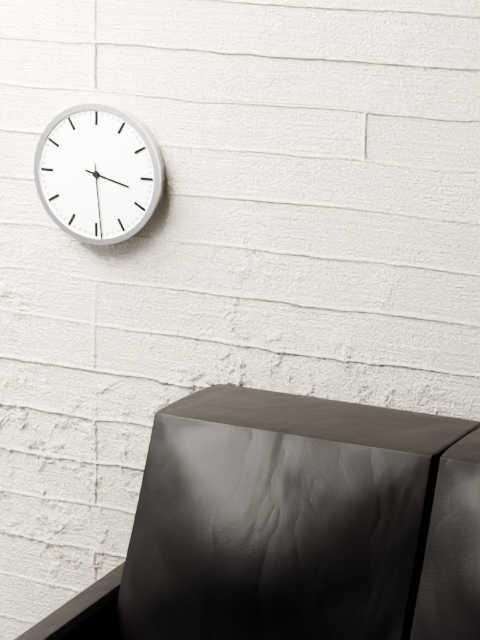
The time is **3:29**
